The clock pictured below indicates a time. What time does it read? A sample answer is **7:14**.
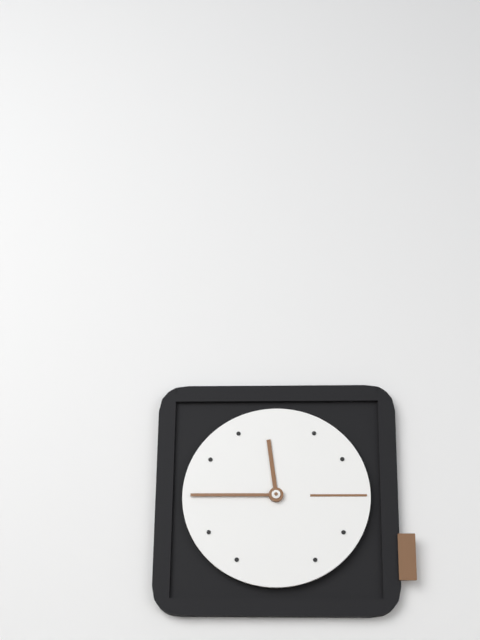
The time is **11:45**
